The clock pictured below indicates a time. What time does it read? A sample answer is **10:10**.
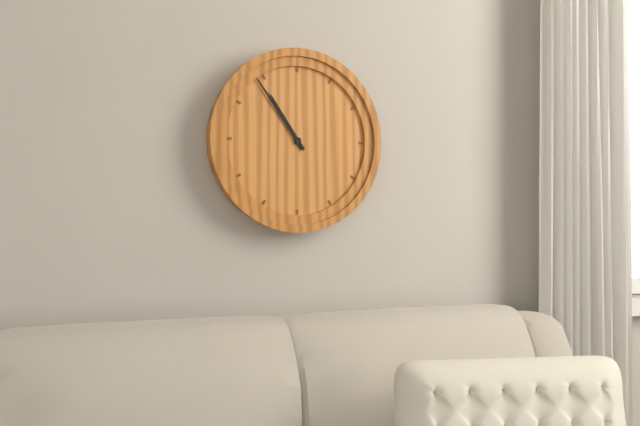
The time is **10:54**
